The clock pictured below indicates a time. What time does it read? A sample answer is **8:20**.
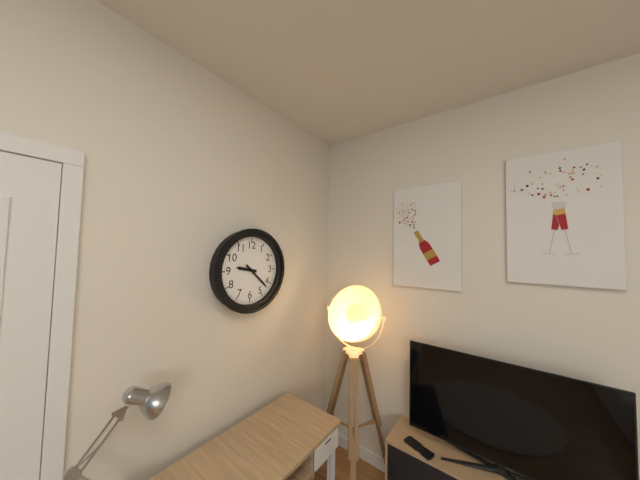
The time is **9:22**
